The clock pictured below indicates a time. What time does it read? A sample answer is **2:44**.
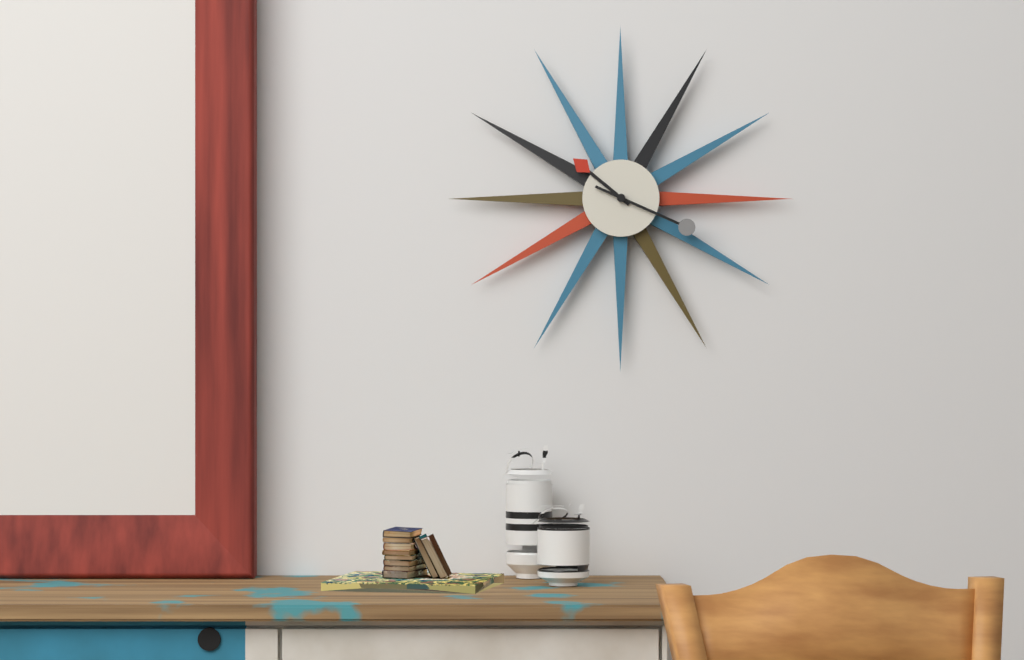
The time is **10:19**
